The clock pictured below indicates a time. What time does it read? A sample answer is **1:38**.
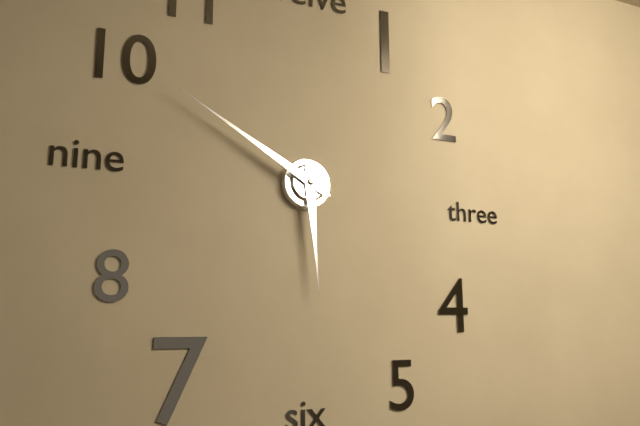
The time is **5:50**
